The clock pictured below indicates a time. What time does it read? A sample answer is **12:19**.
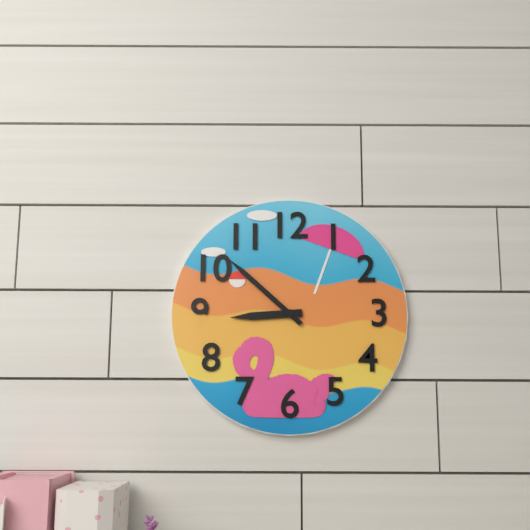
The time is **8:52**
